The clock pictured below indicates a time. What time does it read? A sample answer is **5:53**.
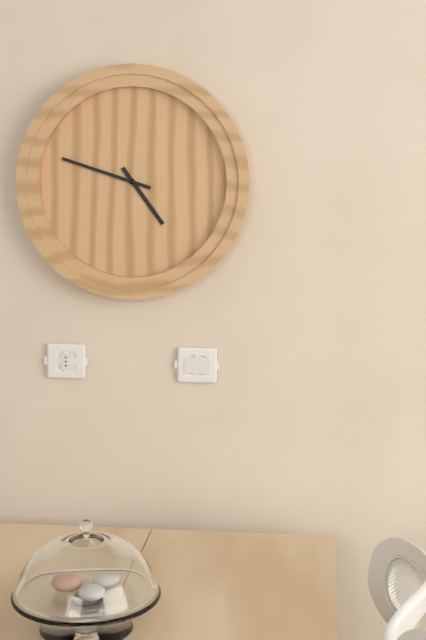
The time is **4:48**
